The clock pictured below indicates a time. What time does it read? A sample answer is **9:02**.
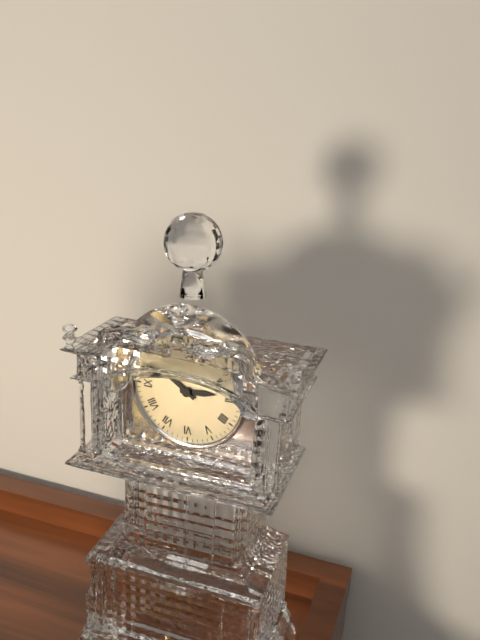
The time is **2:51**
